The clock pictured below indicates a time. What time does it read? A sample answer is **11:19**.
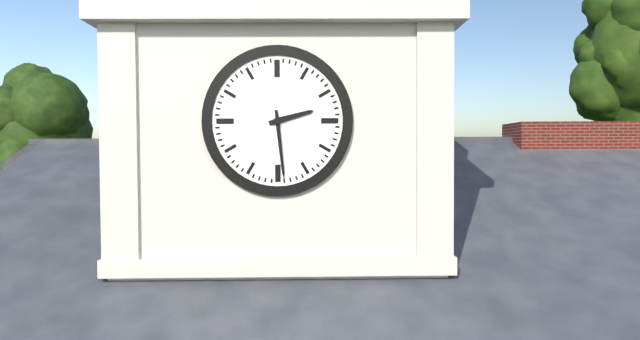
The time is **2:29**
